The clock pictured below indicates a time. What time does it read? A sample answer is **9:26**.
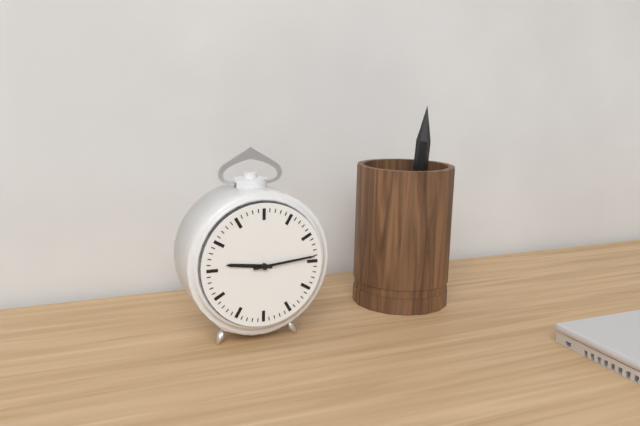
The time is **9:14**
